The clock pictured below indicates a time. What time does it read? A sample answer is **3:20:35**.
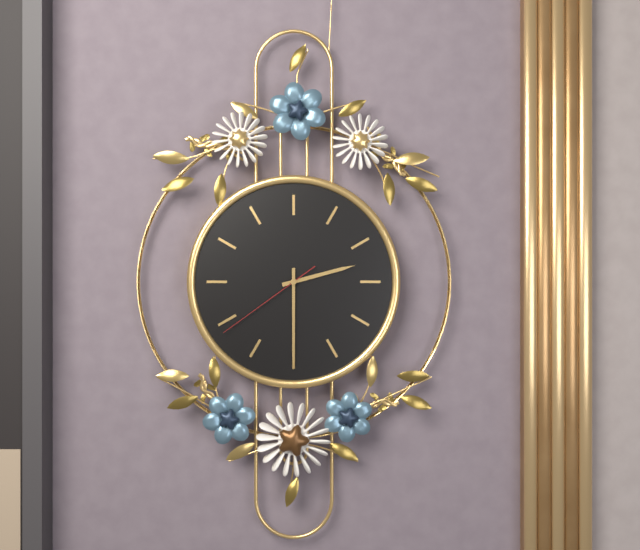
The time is **2:30:39**
